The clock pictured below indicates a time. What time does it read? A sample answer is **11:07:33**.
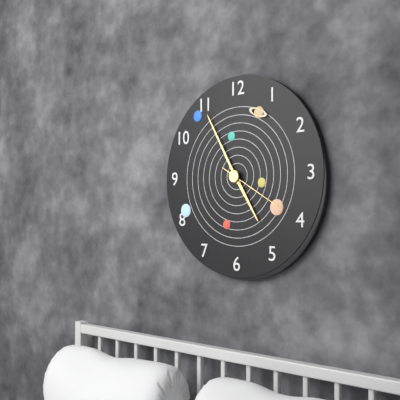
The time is **4:55:20**
